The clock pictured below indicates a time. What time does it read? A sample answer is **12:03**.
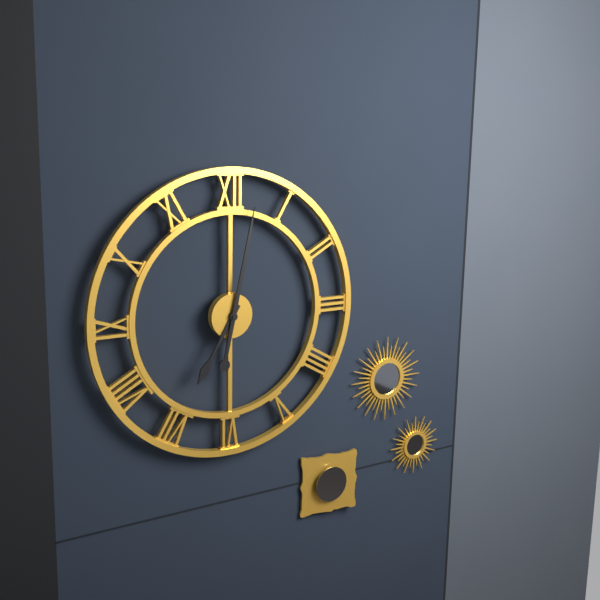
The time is **7:02**
